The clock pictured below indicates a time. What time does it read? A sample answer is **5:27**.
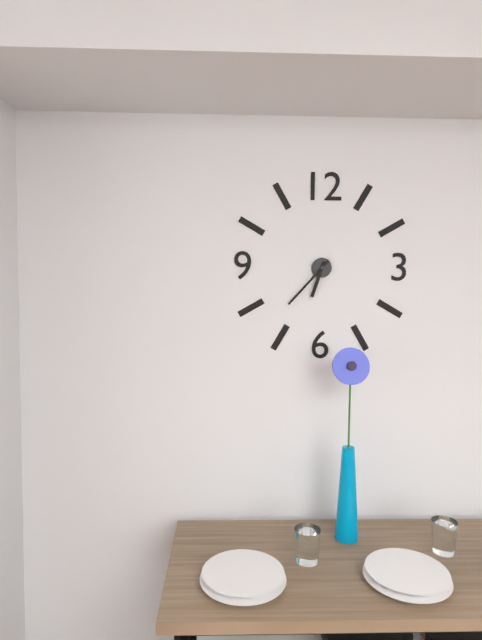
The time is **6:37**
